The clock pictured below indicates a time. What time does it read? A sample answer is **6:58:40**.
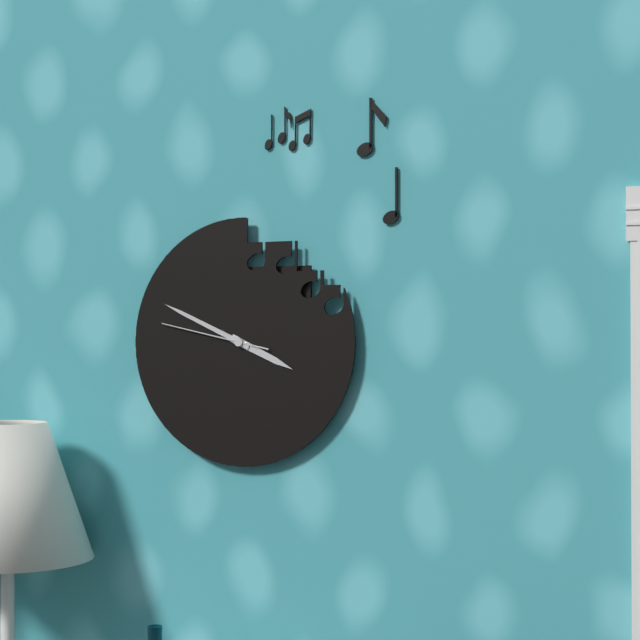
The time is **3:49:47**
